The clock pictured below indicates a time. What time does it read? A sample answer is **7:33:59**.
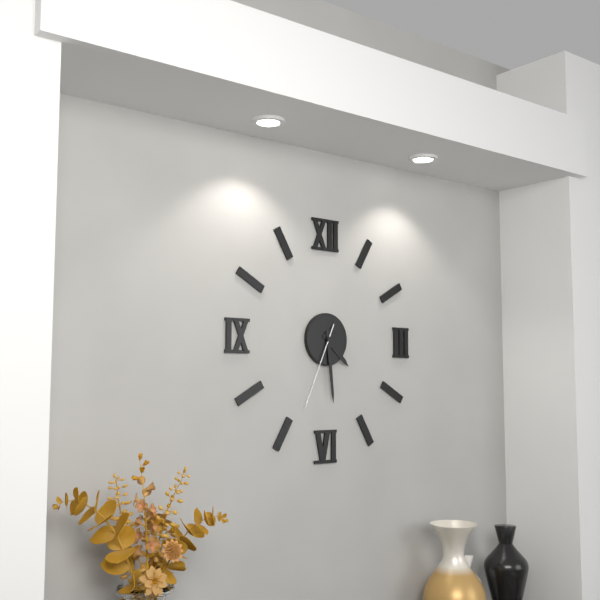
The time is **4:29:34**
